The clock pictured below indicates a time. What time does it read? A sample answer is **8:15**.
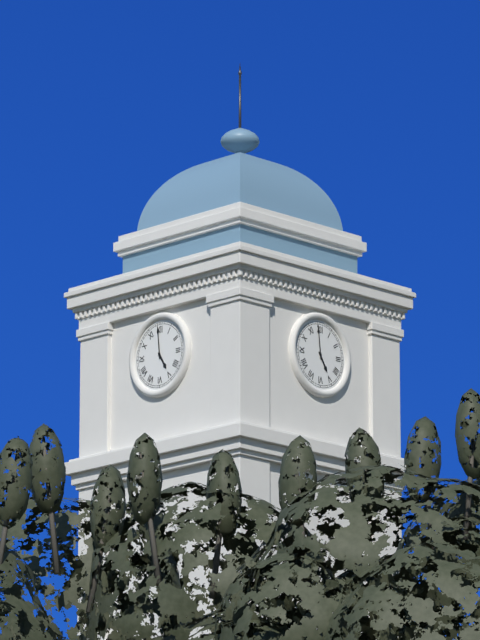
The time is **4:59**
